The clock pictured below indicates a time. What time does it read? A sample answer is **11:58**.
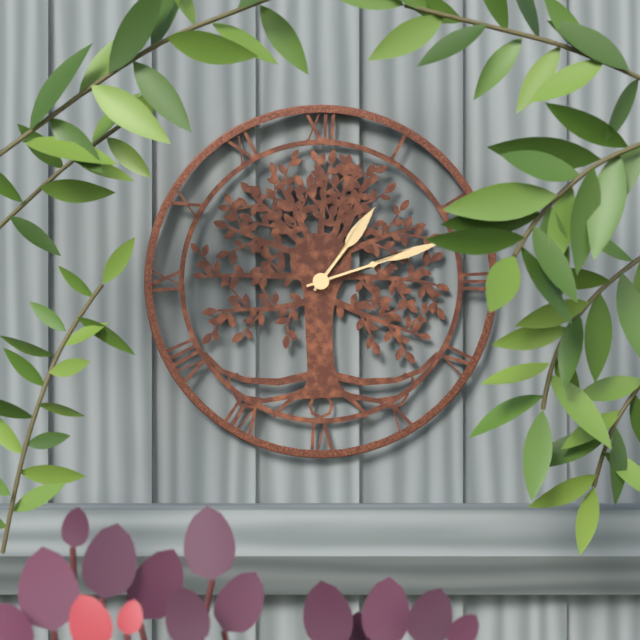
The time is **1:12**
